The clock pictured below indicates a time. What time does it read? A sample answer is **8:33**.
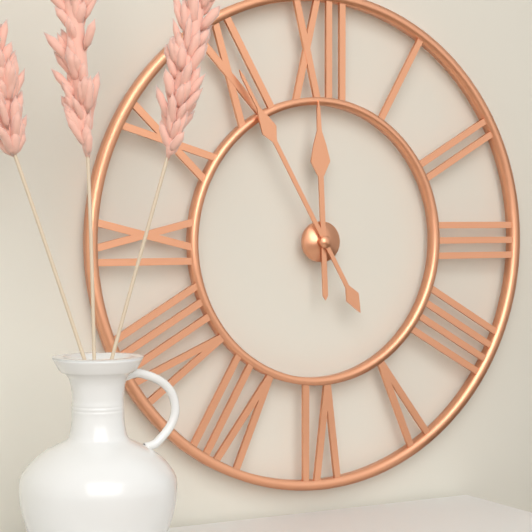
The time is **11:55**
